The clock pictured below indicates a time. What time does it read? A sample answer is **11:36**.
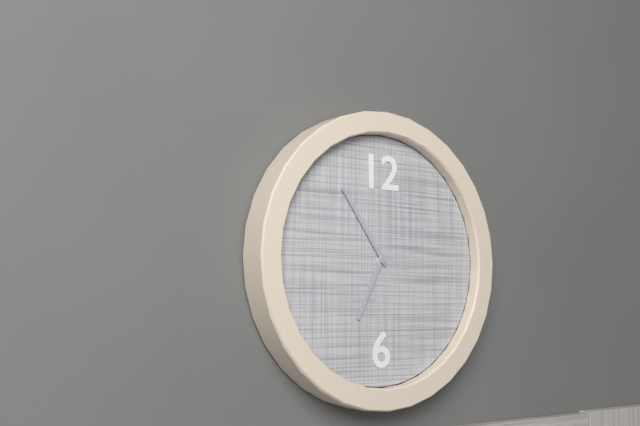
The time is **6:54**
